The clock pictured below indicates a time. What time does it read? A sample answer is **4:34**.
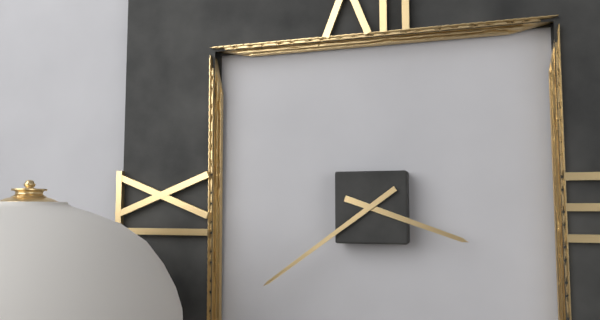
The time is **3:39**
